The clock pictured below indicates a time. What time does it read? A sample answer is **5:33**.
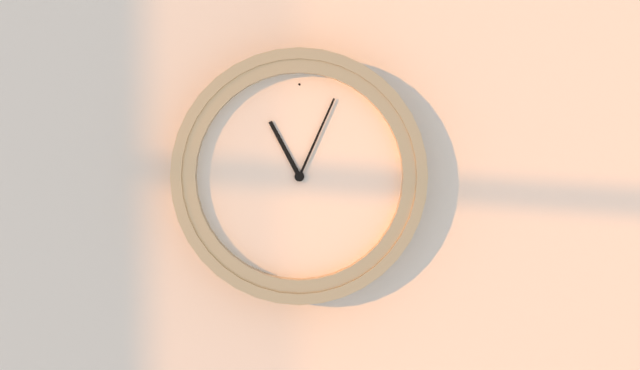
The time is **11:04**
